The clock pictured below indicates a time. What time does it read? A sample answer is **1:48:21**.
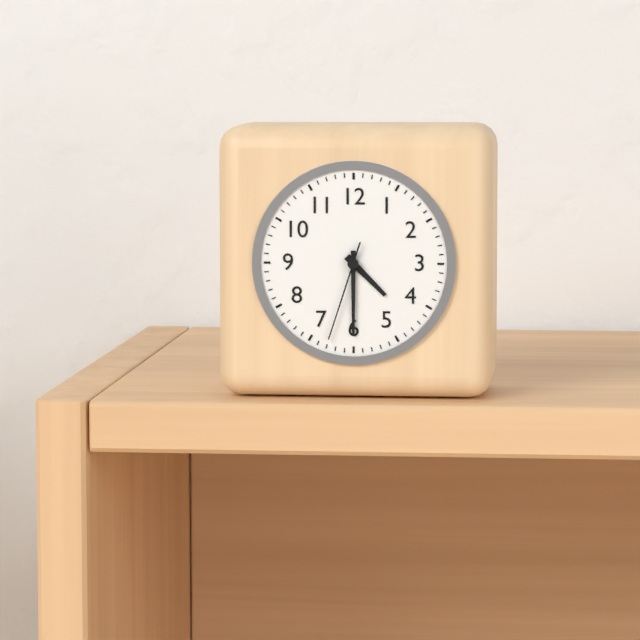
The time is **4:30:33**
